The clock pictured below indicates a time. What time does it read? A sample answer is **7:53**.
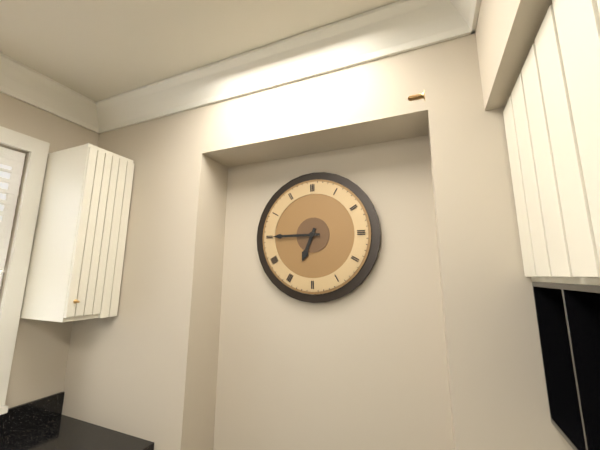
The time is **6:45**
